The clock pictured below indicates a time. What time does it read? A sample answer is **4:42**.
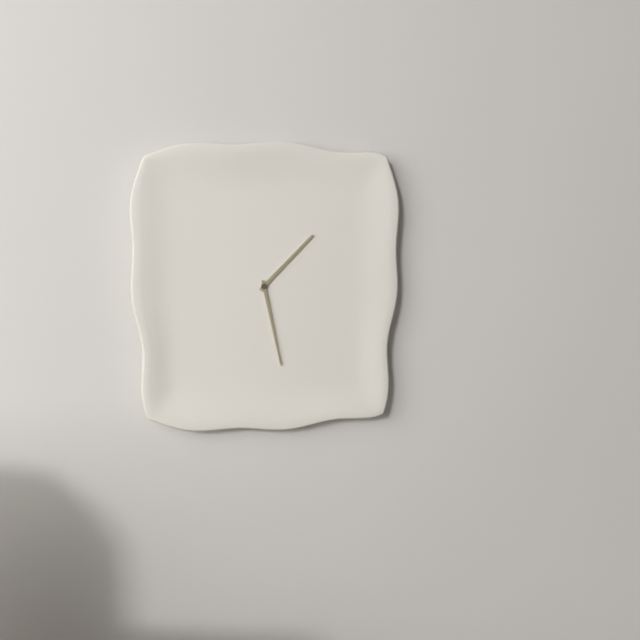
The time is **1:28**
